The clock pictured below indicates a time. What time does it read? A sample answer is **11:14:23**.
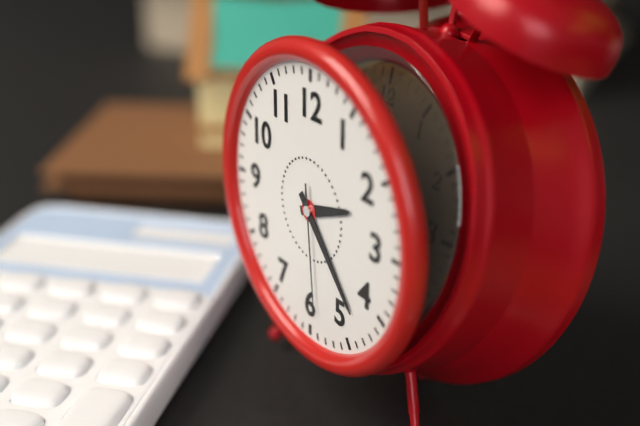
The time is **2:23:29**
